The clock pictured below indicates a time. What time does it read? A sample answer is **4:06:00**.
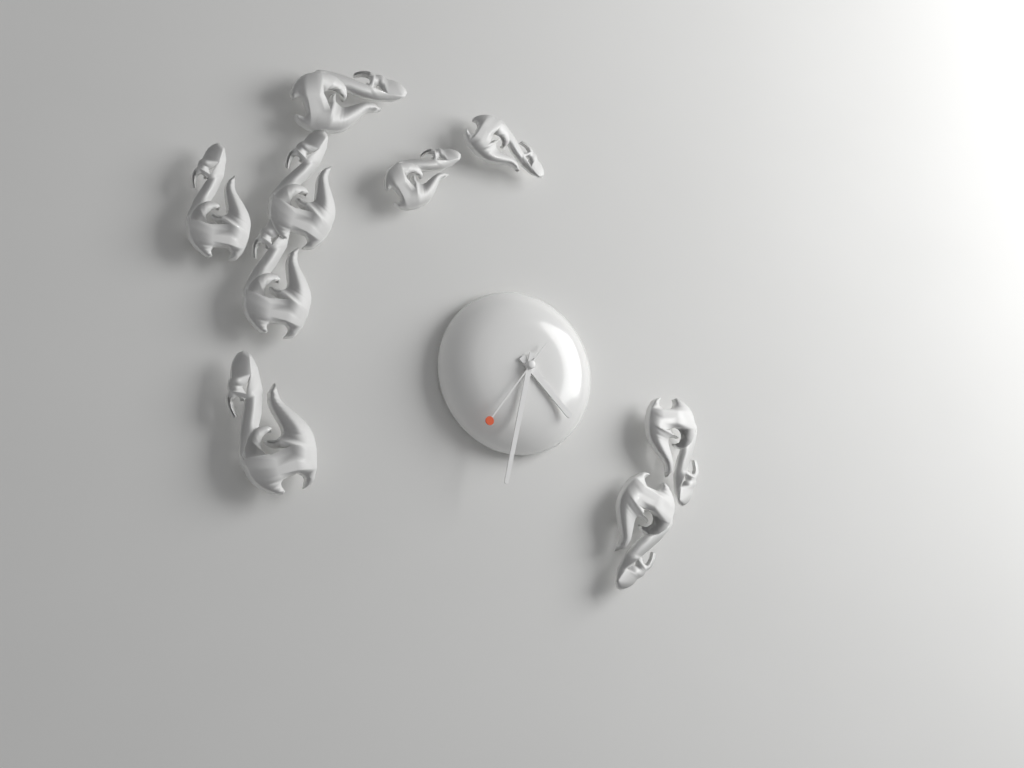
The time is **4:32:36**
